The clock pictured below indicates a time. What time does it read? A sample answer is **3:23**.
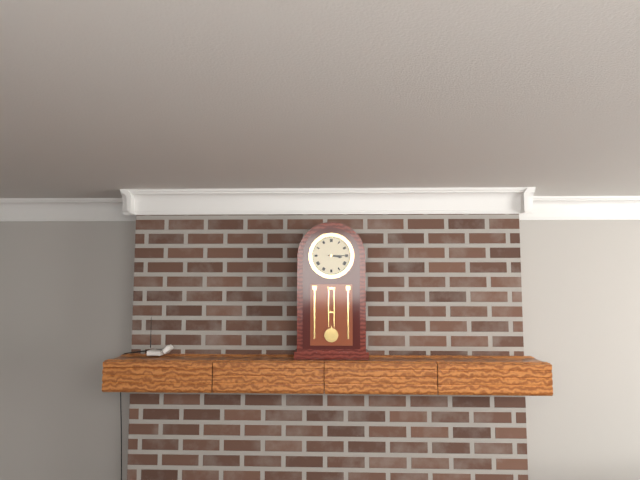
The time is **3:15**
